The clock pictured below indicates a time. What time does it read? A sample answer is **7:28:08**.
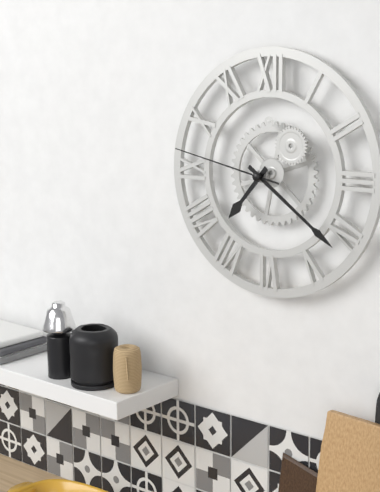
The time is **7:21:47**
